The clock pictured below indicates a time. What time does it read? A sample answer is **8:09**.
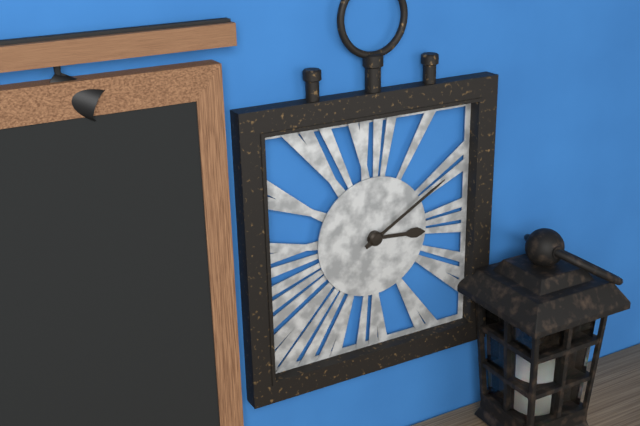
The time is **3:10**
